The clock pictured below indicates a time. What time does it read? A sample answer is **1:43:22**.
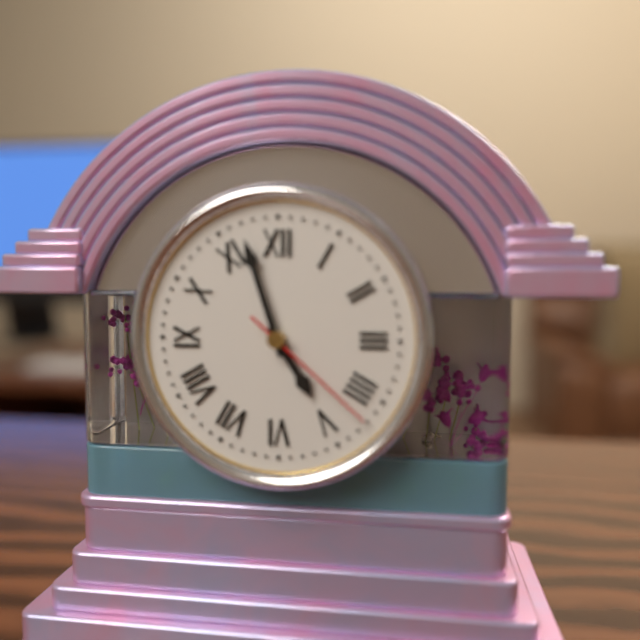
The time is **4:57:22**
